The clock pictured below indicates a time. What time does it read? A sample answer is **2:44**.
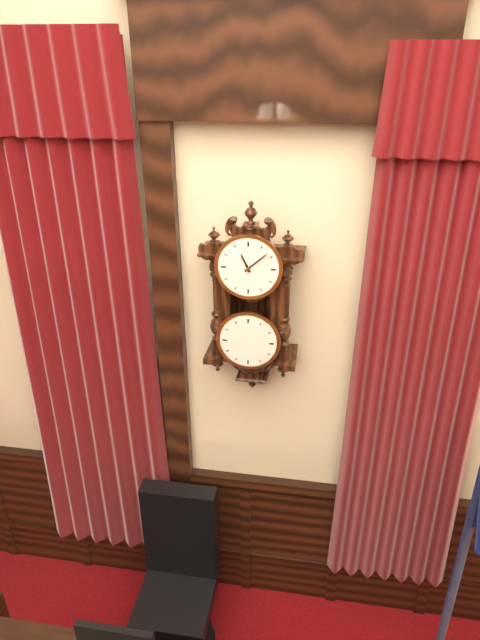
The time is **11:08**
